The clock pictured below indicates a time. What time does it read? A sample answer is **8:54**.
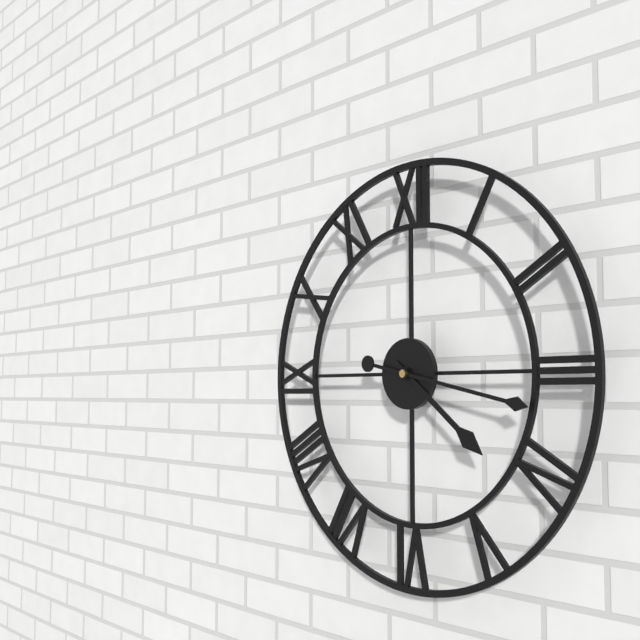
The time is **4:17**
